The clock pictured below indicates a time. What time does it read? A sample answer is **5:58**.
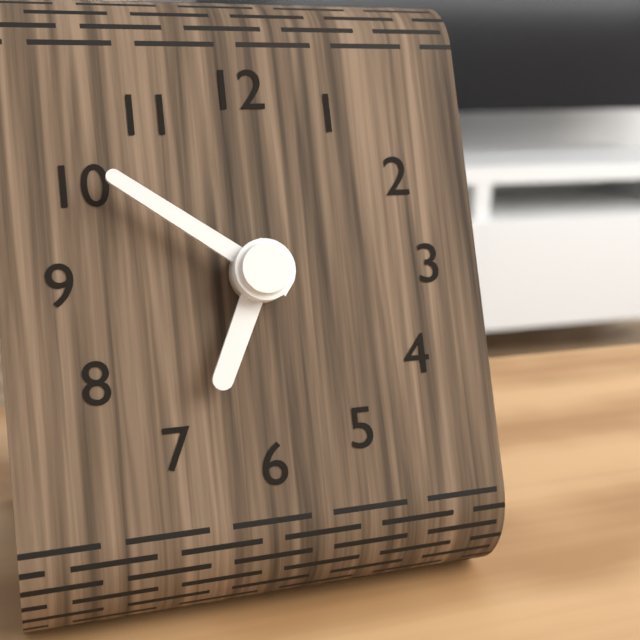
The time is **6:51**
